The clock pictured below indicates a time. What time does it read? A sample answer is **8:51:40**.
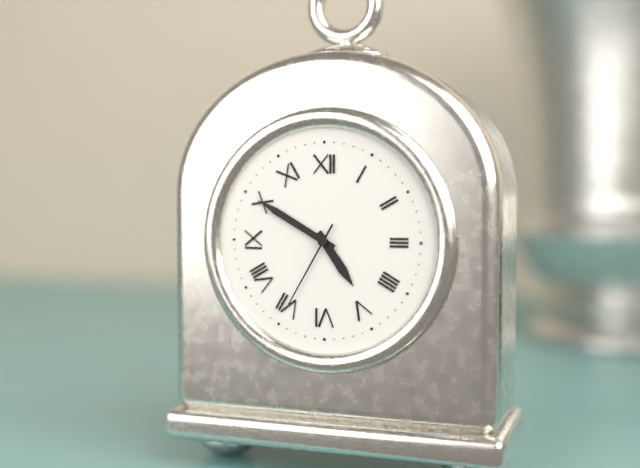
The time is **4:50:35**
